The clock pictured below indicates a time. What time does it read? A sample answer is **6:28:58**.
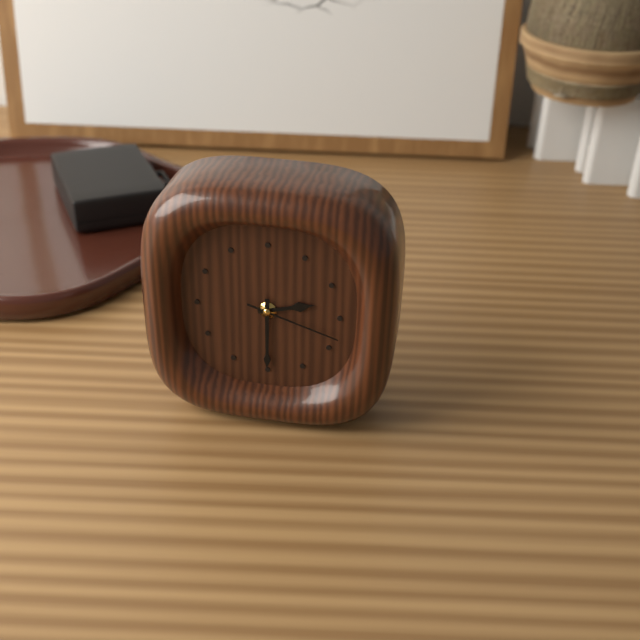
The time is **2:30:18**
